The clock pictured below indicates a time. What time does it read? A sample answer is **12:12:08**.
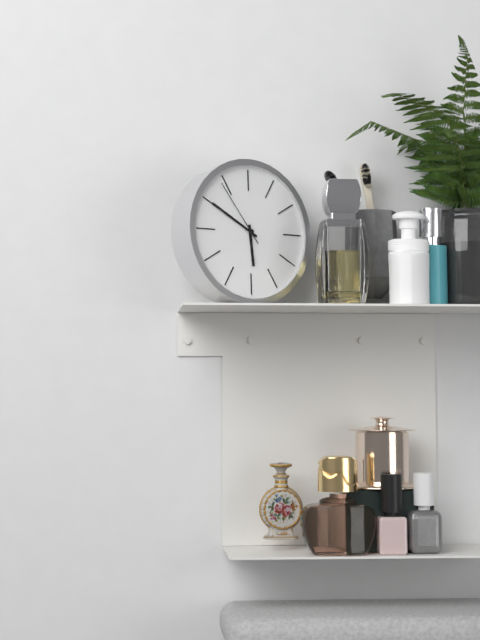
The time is **5:50:54**
